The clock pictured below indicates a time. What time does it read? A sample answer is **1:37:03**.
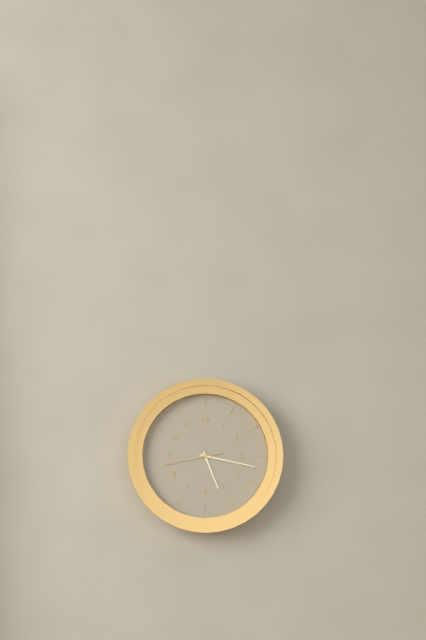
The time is **5:17:43**
